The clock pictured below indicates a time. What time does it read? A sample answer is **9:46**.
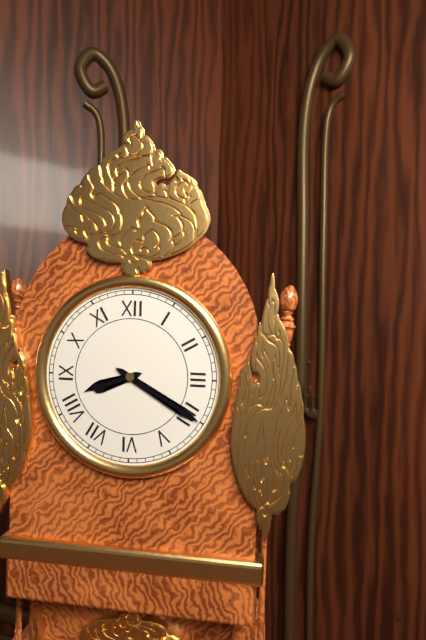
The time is **8:20**
